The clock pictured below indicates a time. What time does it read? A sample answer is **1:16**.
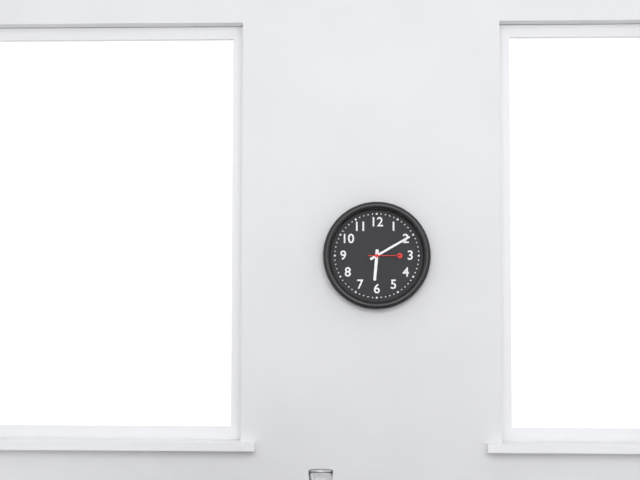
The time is **6:10**
